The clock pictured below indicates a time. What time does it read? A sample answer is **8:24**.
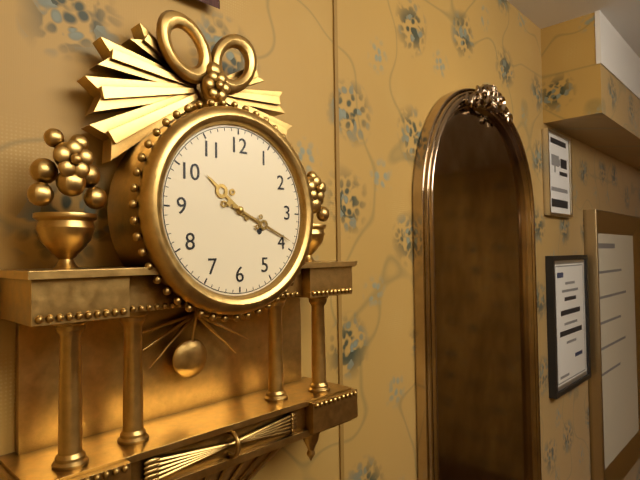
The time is **10:19**
